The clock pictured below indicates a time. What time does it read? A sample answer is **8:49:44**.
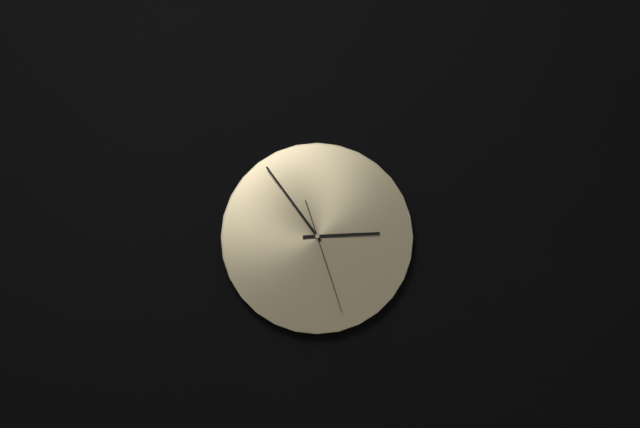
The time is **2:54:27**
